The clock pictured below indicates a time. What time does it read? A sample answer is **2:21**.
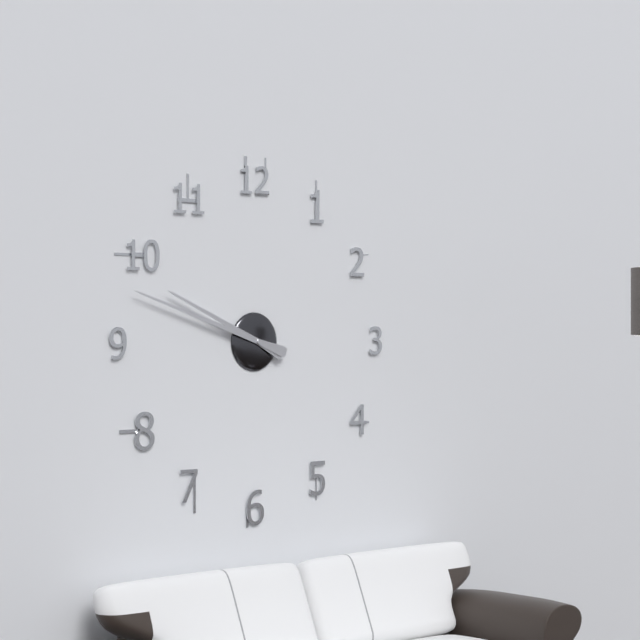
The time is **9:48**
